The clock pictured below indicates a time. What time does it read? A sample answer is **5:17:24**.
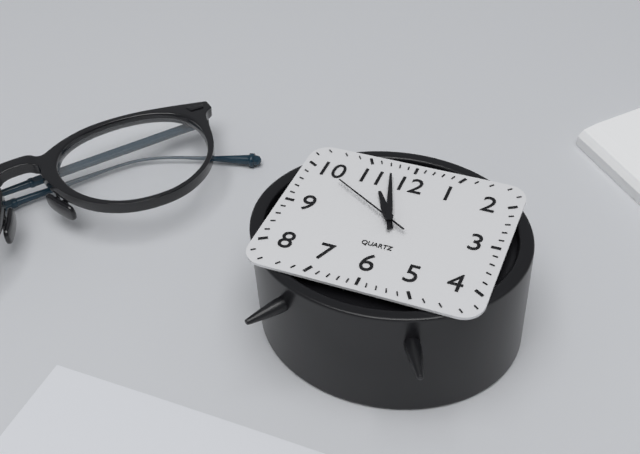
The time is **10:57:50**
